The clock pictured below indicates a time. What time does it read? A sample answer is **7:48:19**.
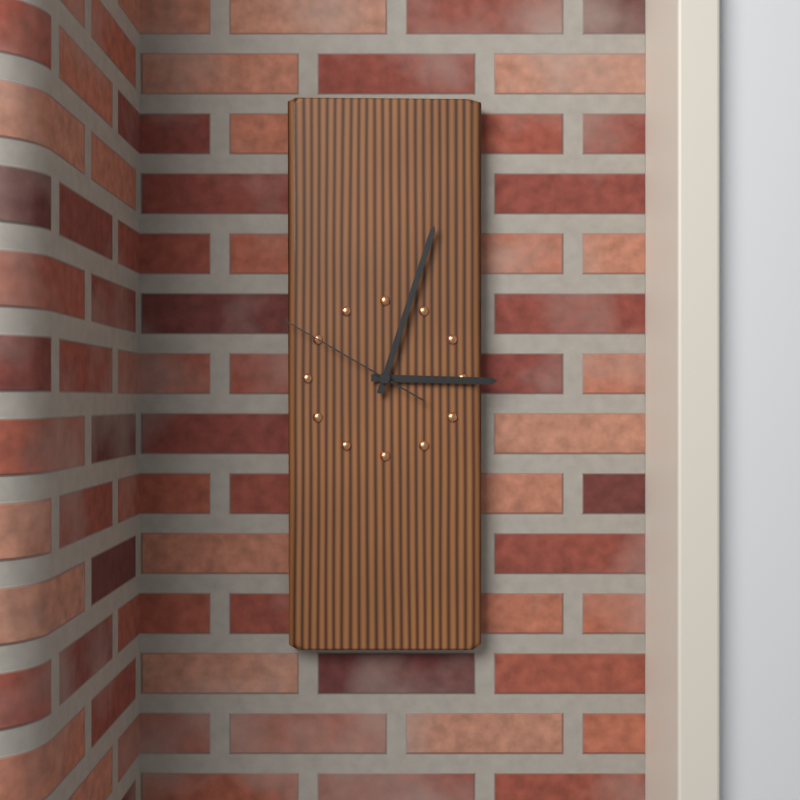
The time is **3:03:50**
